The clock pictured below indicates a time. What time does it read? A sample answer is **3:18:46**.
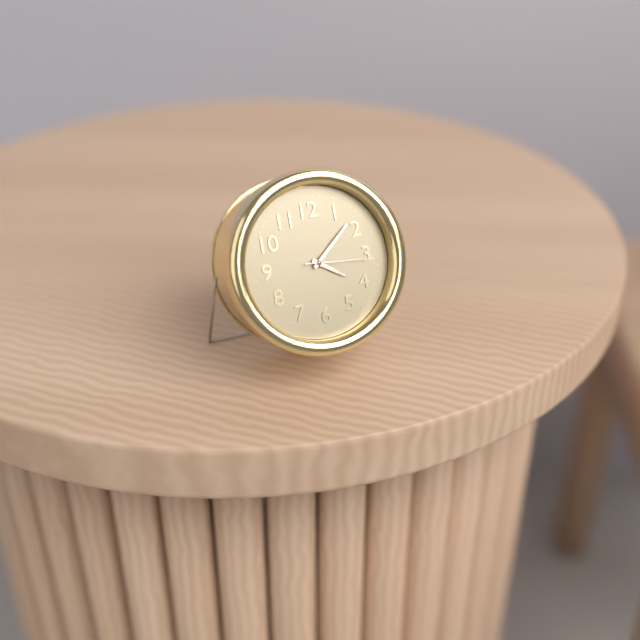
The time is **4:08:16**
